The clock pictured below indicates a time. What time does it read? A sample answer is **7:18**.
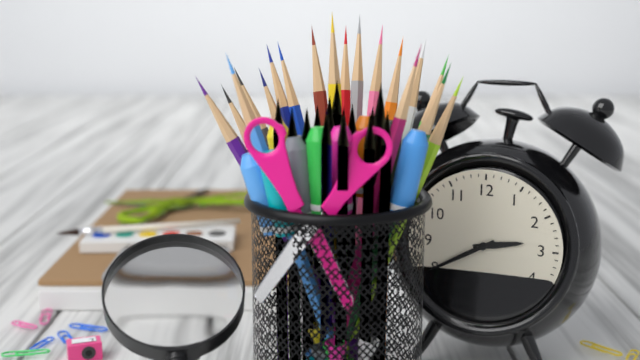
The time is **2:40**
